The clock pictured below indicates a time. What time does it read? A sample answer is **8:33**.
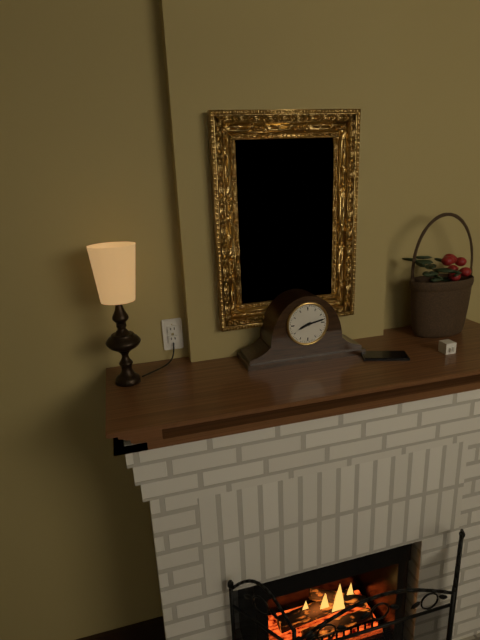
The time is **8:13**
